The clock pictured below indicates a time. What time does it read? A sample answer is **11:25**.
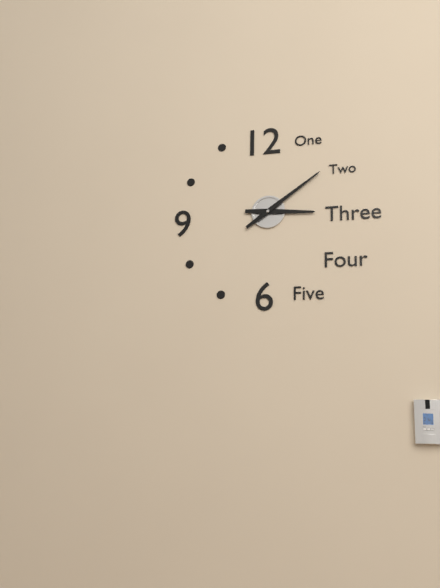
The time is **3:09**
